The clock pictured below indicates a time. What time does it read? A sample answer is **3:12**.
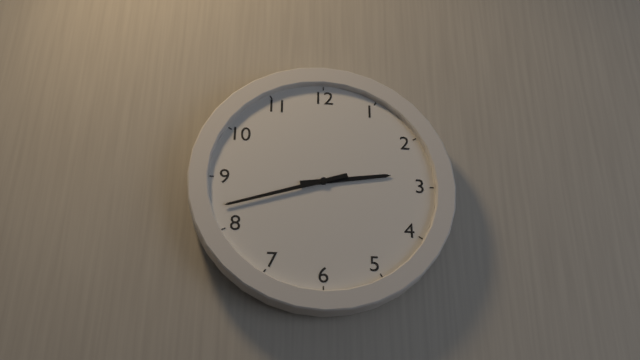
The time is **2:42**
